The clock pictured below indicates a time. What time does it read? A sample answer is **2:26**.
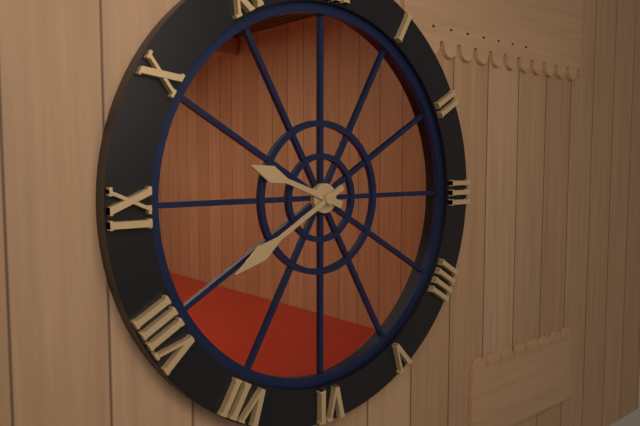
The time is **9:40**
